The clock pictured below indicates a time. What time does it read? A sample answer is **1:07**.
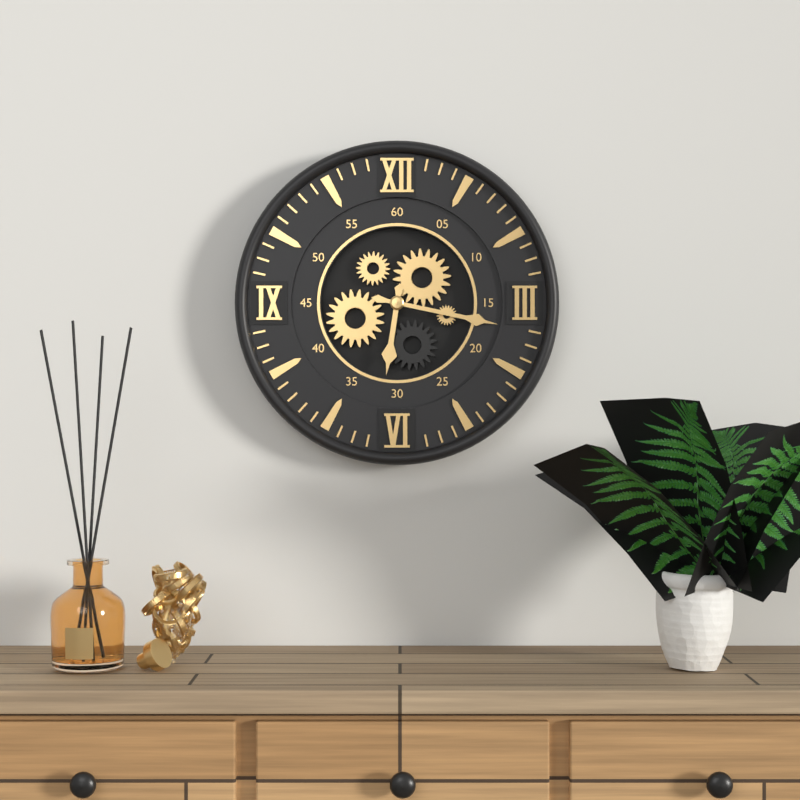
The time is **6:17**
